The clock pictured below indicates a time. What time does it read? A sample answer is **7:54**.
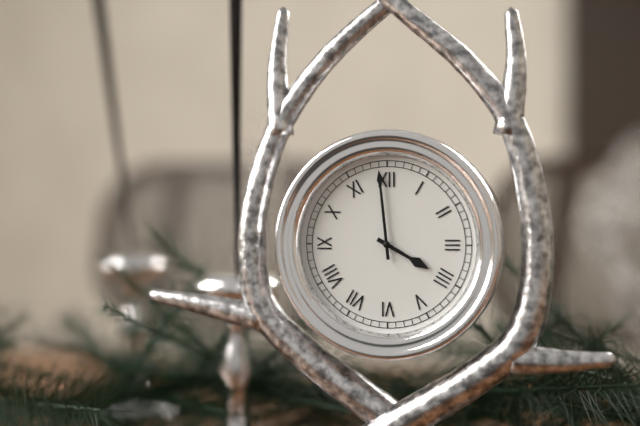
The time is **3:59**
